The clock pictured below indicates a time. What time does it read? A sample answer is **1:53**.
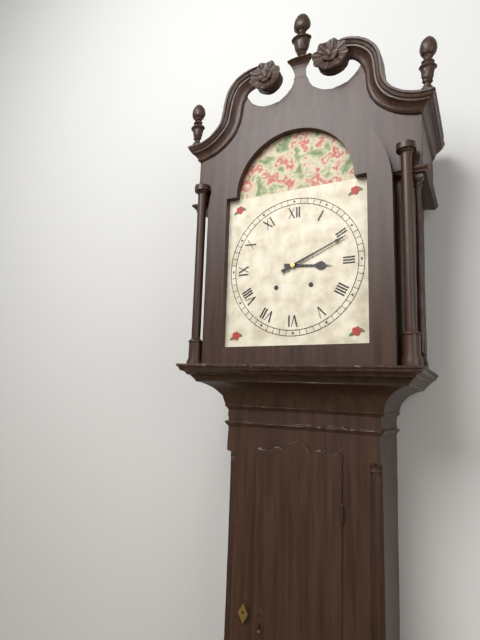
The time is **3:11**
